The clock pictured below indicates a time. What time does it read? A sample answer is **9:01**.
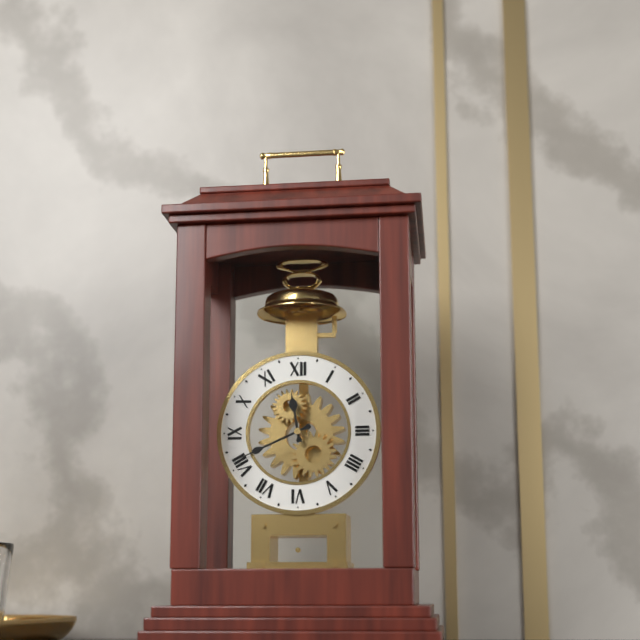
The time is **11:41**
